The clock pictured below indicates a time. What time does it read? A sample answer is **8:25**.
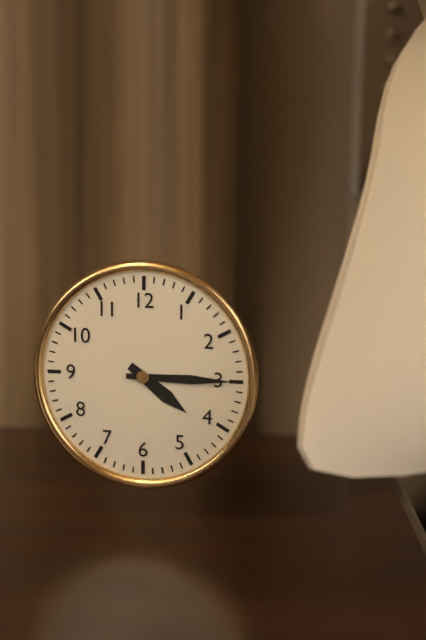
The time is **4:15**
